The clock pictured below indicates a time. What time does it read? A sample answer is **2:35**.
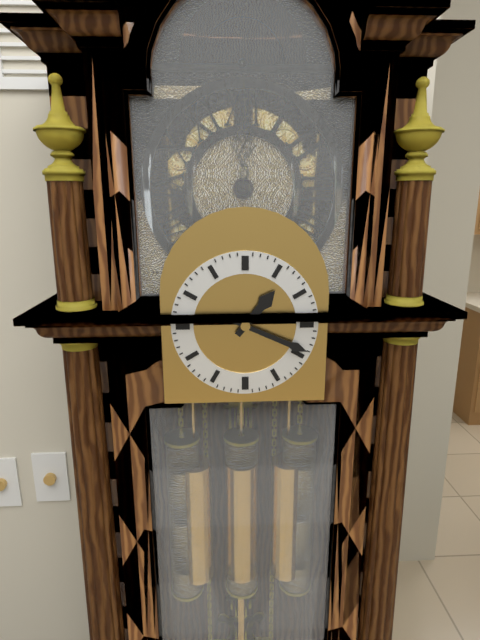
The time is **1:19**
